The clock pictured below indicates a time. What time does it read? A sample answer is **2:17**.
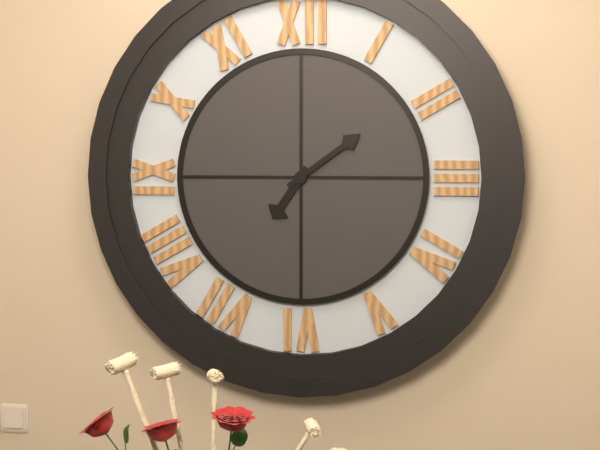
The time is **7:09**
